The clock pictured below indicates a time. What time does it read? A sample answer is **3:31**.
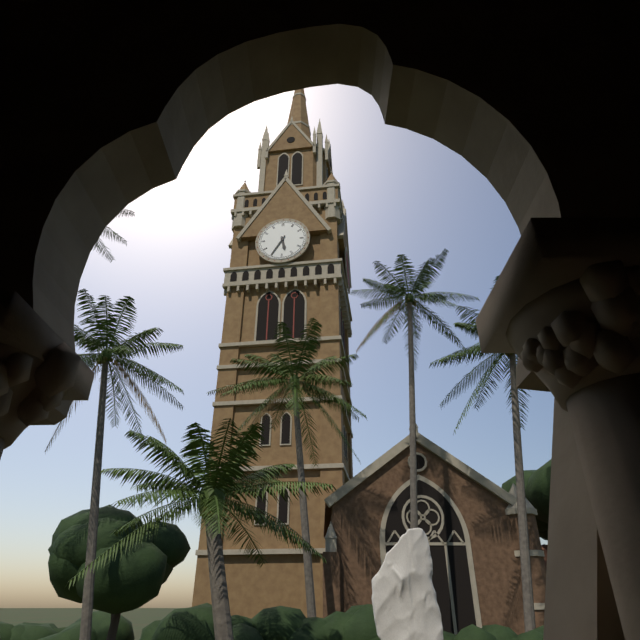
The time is **5:35**
